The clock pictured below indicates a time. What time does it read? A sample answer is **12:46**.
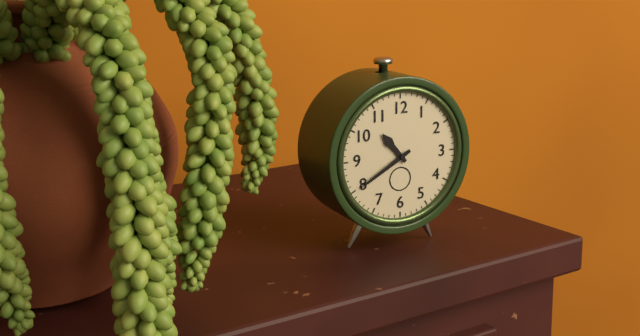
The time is **10:40**
